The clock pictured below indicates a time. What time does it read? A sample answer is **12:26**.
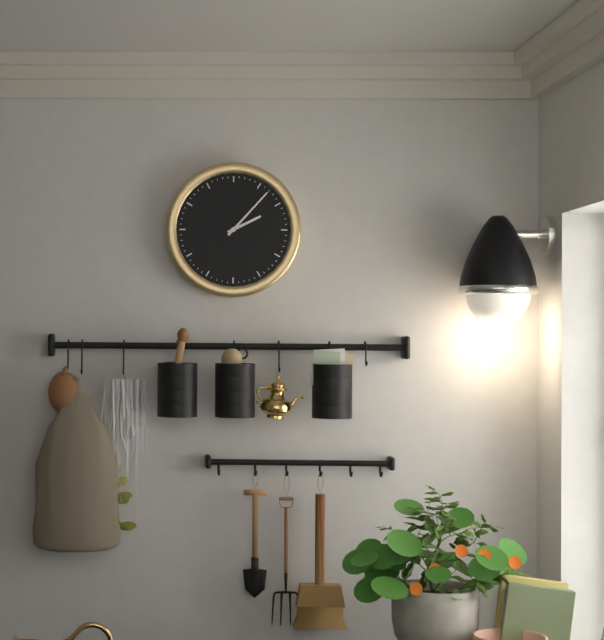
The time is **2:07**
